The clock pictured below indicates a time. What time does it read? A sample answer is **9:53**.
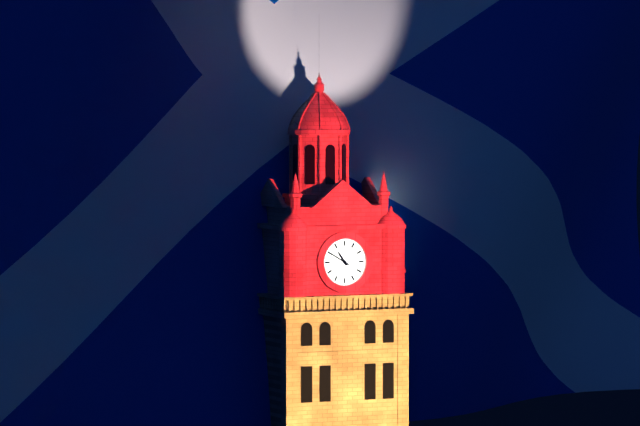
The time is **10:50**
